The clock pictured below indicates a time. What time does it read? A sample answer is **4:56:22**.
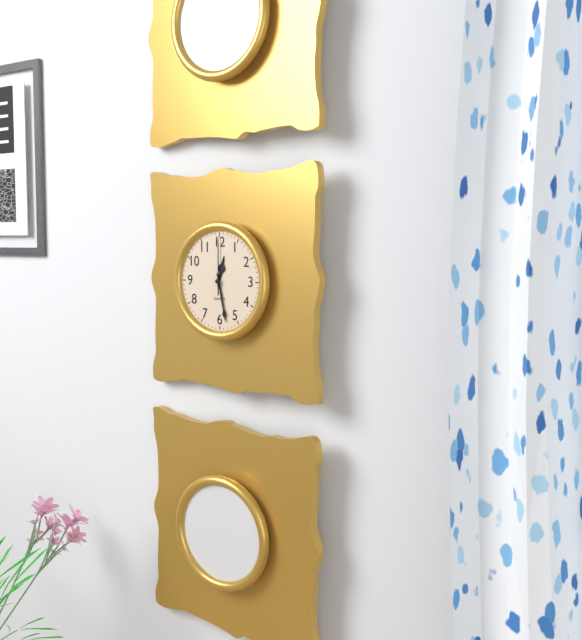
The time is **12:28:00**
